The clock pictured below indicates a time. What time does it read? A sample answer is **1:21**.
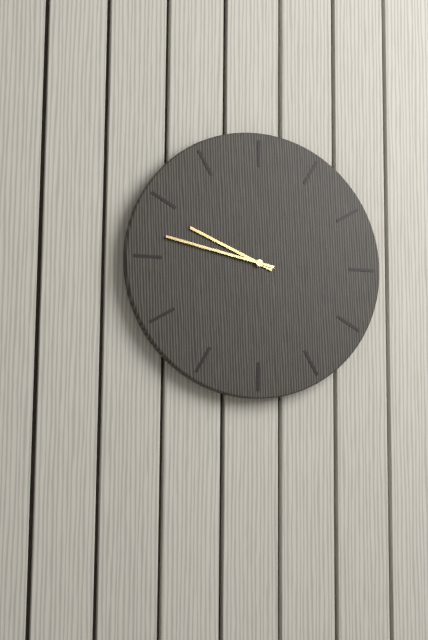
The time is **9:47**
